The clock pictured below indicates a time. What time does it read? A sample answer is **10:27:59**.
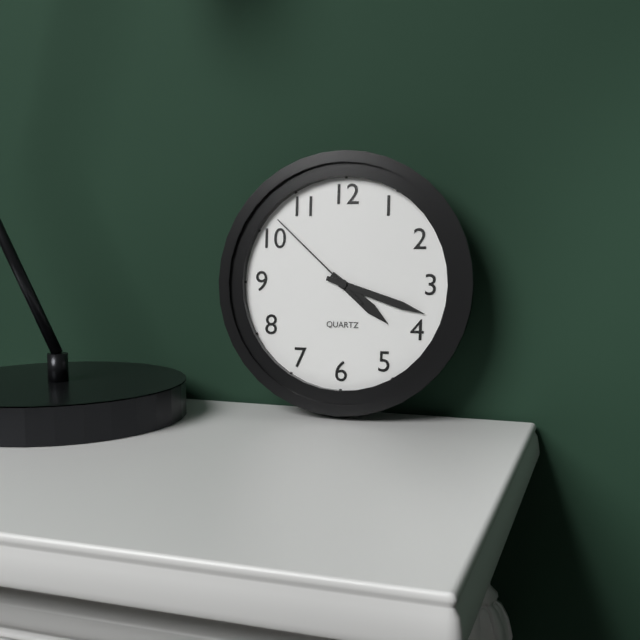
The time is **4:18:52**
